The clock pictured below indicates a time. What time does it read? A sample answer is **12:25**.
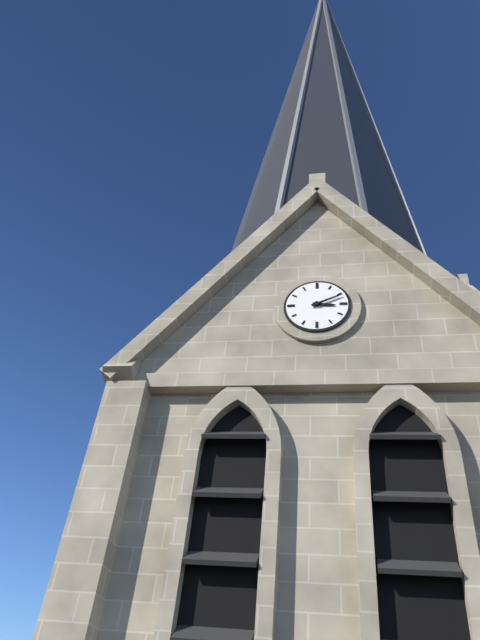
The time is **3:11**
